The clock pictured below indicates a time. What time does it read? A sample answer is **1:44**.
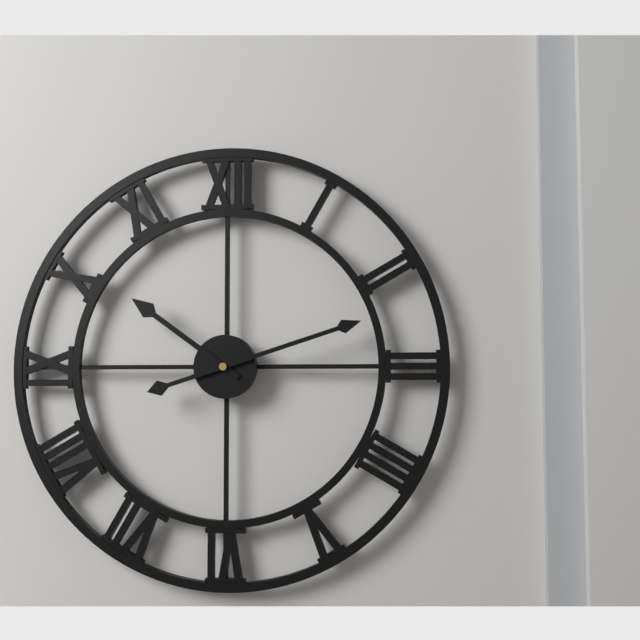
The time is **10:12**
